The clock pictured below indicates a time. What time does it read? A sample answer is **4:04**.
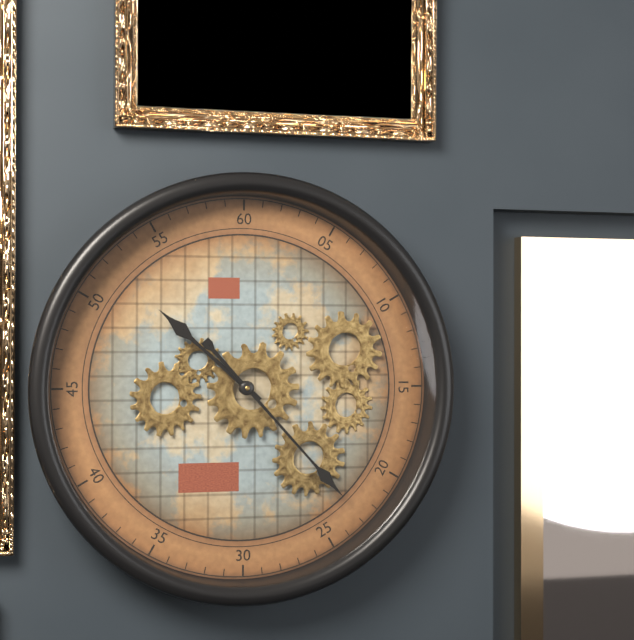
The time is **10:23**
